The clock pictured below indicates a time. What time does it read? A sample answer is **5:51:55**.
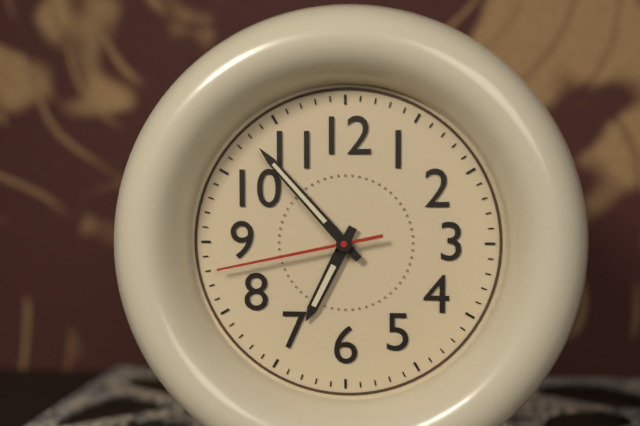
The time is **6:53:43**
